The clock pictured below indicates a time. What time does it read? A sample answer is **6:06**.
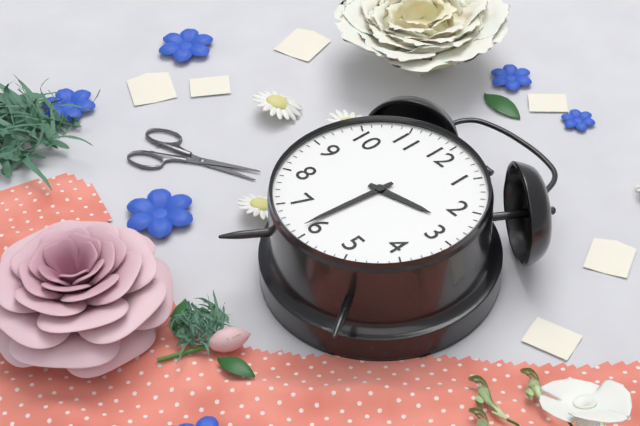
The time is **2:31**
